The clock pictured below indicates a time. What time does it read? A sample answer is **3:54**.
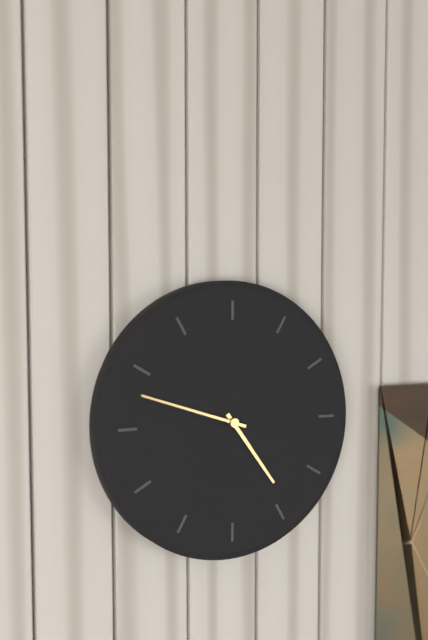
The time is **4:48**
